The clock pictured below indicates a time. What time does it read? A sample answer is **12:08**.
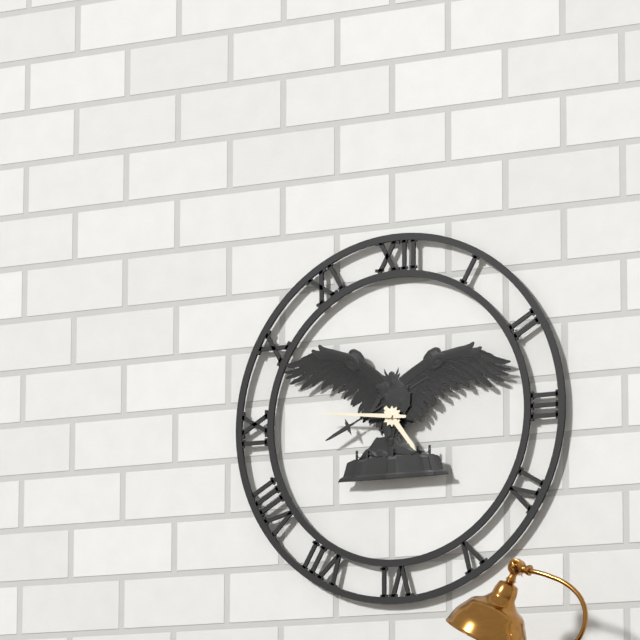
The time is **4:46**
